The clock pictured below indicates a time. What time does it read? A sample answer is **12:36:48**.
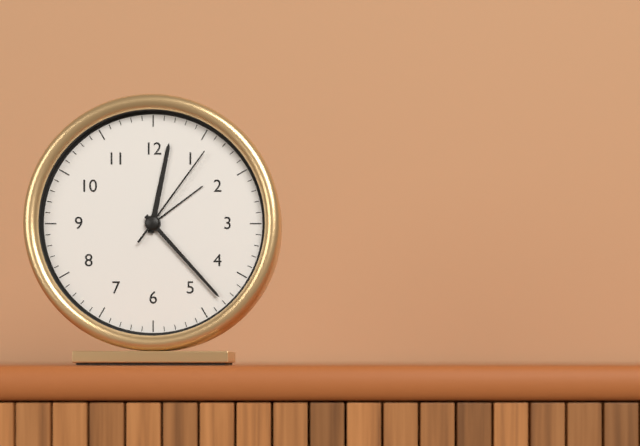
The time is **12:23:06**
